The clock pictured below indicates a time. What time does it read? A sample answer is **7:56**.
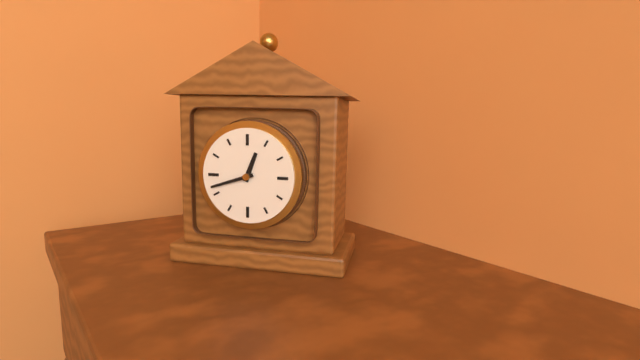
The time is **12:42**
